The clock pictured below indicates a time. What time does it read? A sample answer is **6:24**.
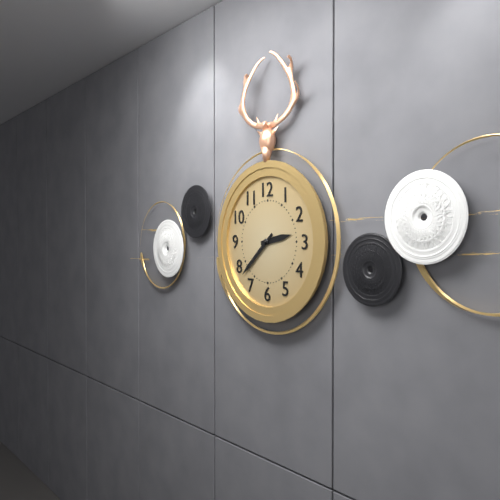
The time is **2:38**
